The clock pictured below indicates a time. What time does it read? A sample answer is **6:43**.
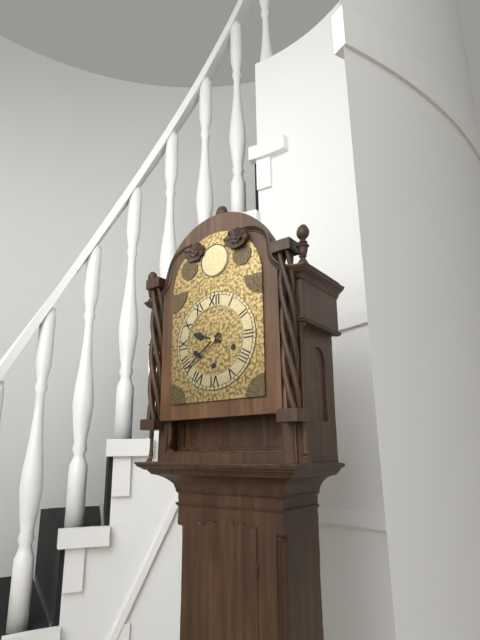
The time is **9:39**
